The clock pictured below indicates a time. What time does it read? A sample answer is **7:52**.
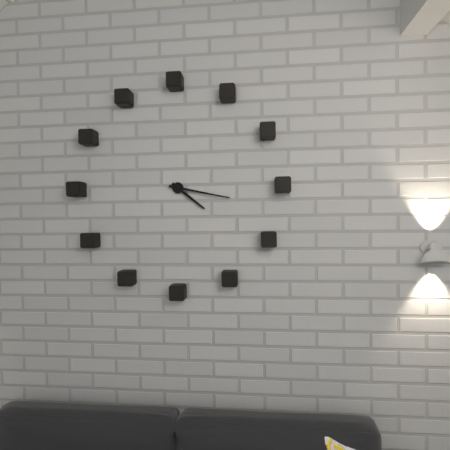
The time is **4:17**
